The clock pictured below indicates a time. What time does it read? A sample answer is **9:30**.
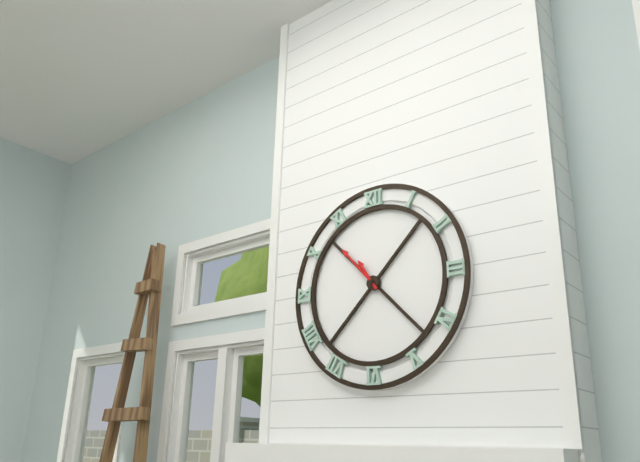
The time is **10:53**
